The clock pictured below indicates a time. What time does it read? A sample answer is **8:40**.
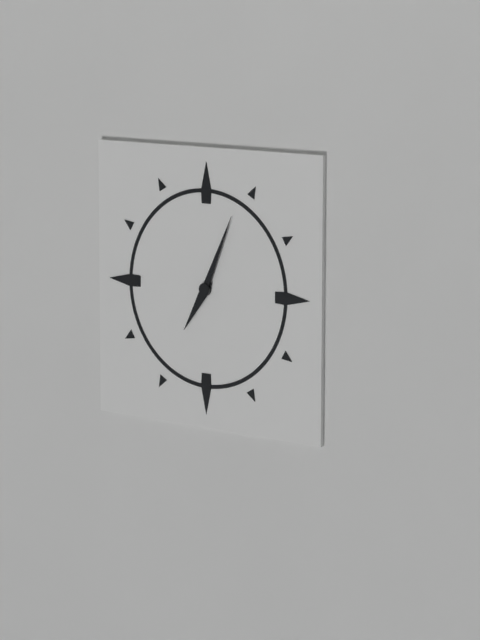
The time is **7:04**
